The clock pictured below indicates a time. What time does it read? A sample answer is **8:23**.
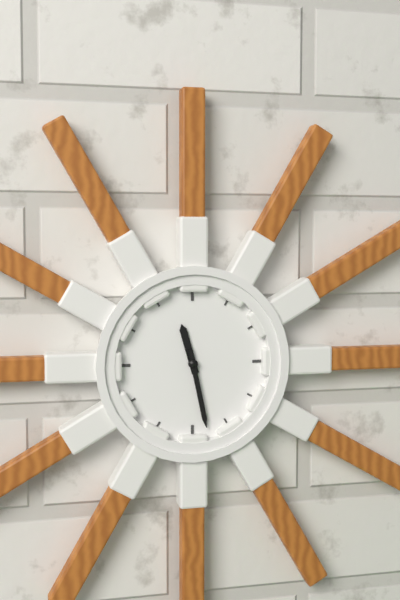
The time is **11:28**
